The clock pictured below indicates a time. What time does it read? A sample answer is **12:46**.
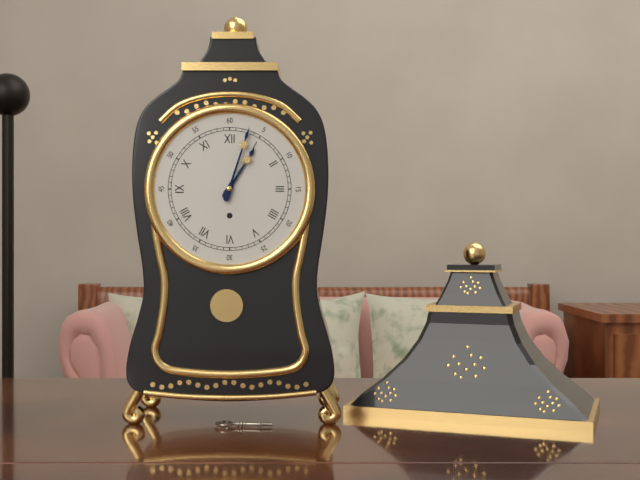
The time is **1:03**
